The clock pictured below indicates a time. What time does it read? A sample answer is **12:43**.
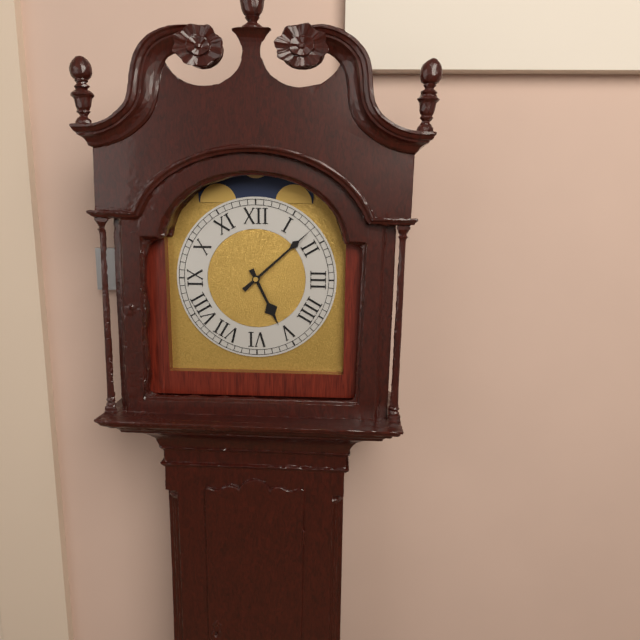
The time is **5:08**
